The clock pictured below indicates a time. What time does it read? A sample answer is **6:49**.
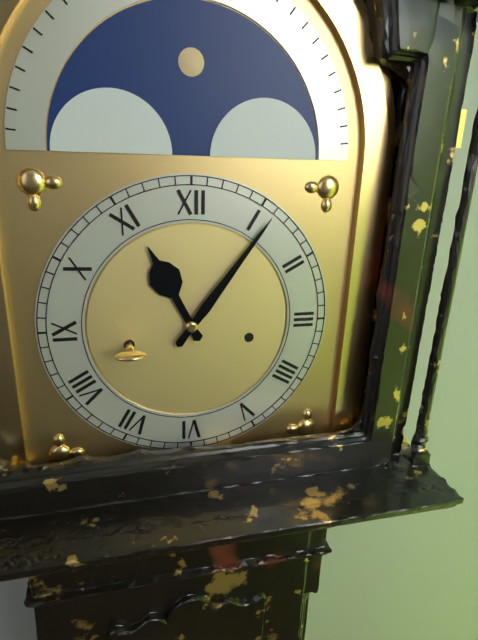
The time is **11:06**
